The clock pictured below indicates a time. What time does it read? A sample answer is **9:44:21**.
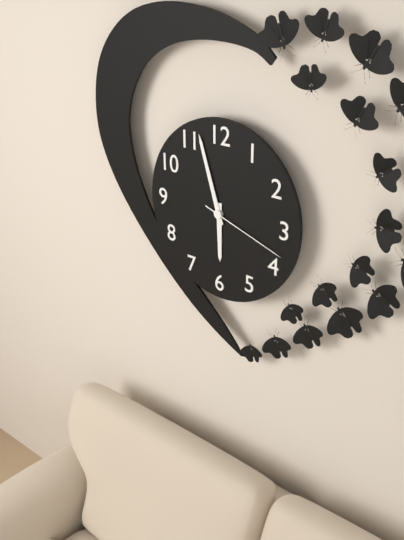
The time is **5:57:18**
